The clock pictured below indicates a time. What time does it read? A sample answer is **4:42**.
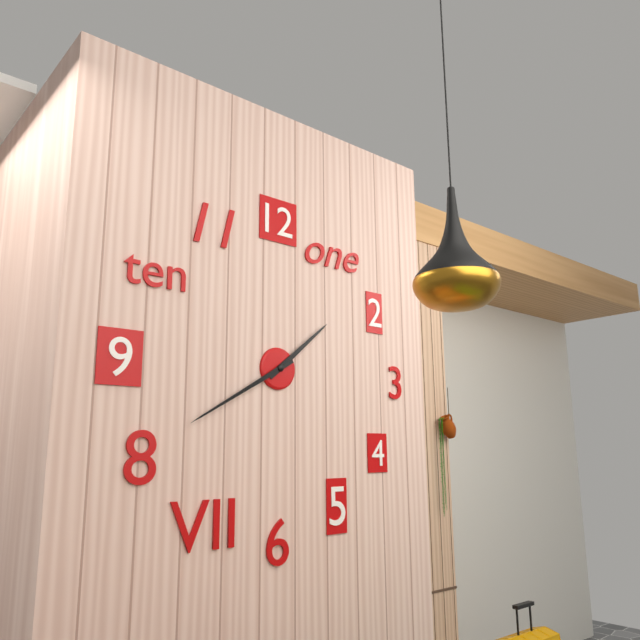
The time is **1:40**
